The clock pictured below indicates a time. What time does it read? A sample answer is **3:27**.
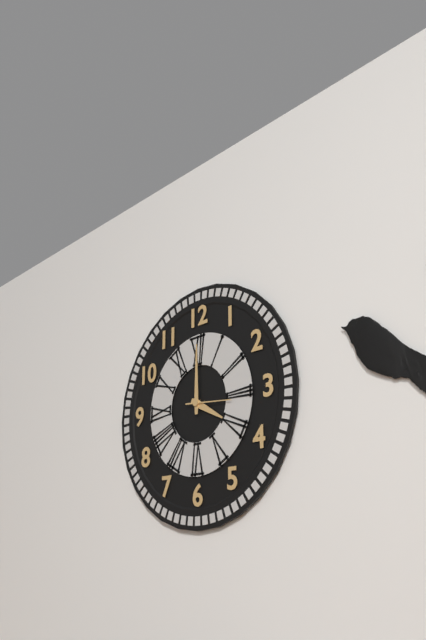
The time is **4:00**
